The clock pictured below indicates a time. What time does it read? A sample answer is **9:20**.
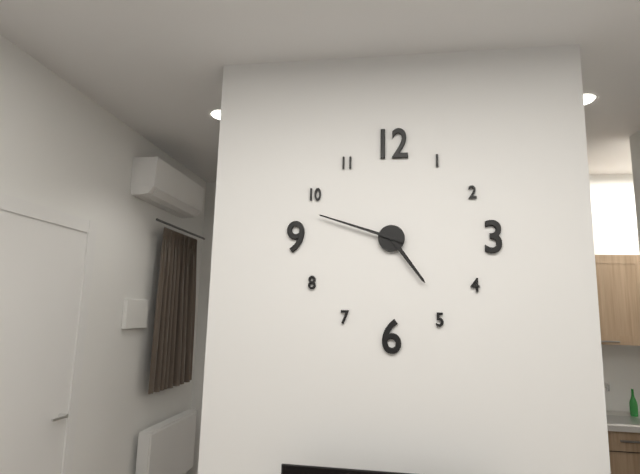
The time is **4:48**
